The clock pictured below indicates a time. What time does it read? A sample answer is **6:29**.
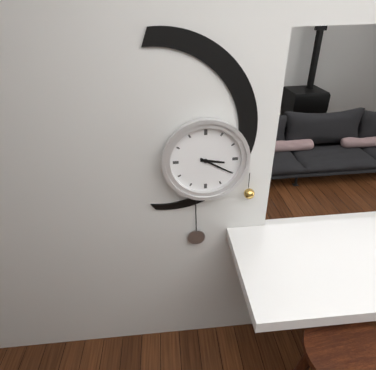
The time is **3:20**
